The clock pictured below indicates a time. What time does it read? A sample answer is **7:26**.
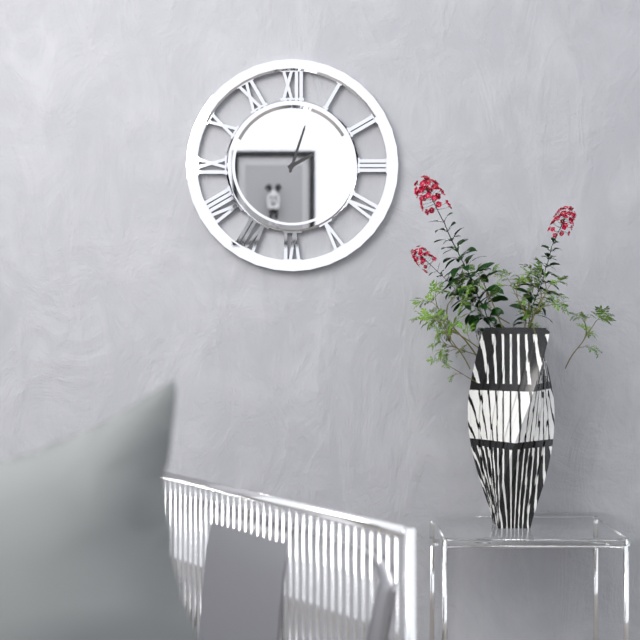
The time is **2:03**
